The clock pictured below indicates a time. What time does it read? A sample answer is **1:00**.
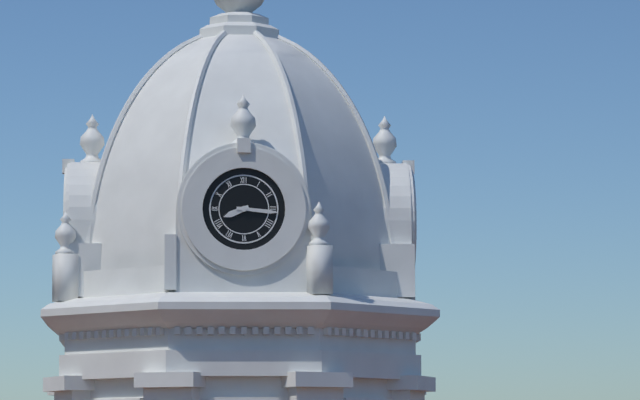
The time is **8:16**
